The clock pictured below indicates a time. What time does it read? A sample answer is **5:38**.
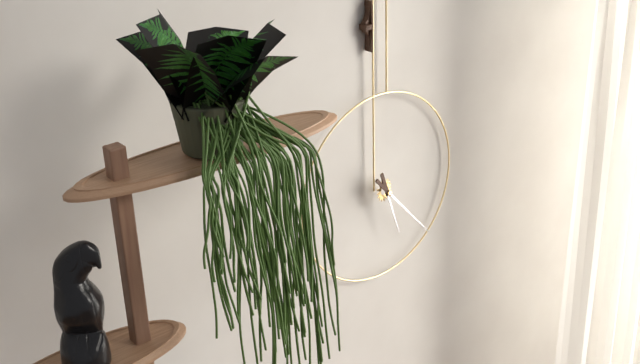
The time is **5:23**
